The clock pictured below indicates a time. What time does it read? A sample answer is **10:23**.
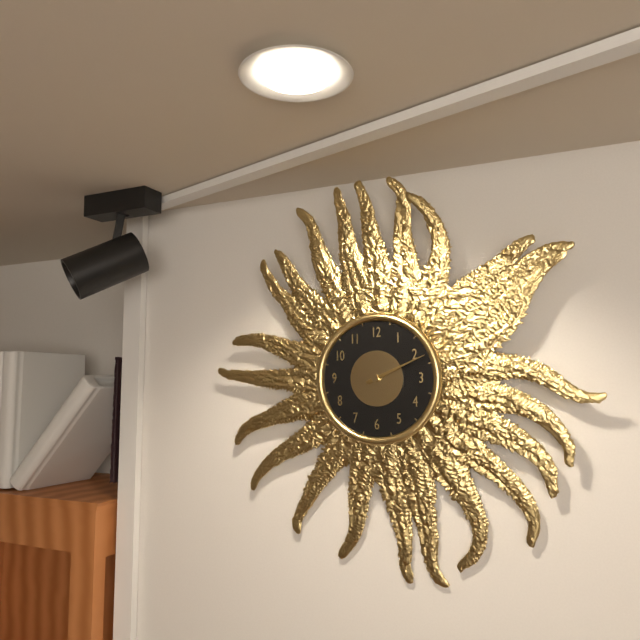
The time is **2:11**
